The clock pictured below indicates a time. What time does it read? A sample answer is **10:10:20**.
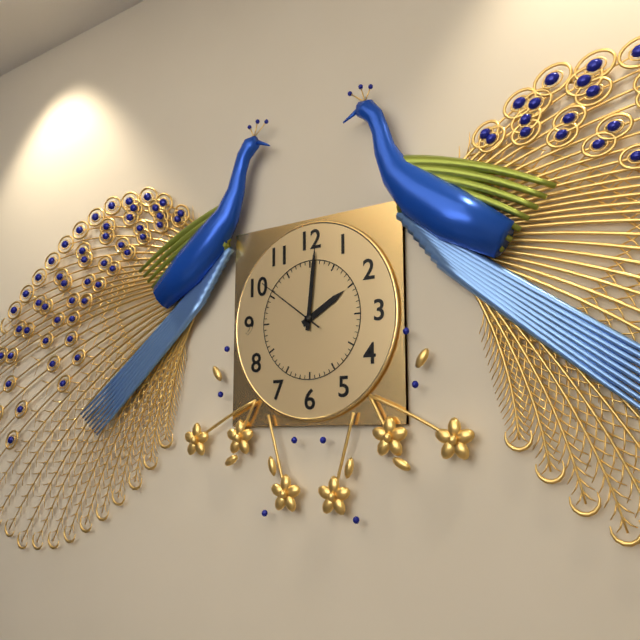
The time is **2:01:51**
